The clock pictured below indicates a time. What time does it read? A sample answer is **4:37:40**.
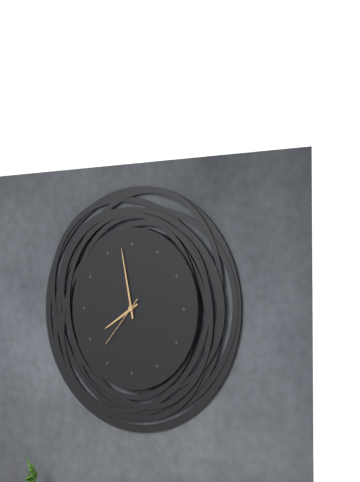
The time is **7:58:37**
